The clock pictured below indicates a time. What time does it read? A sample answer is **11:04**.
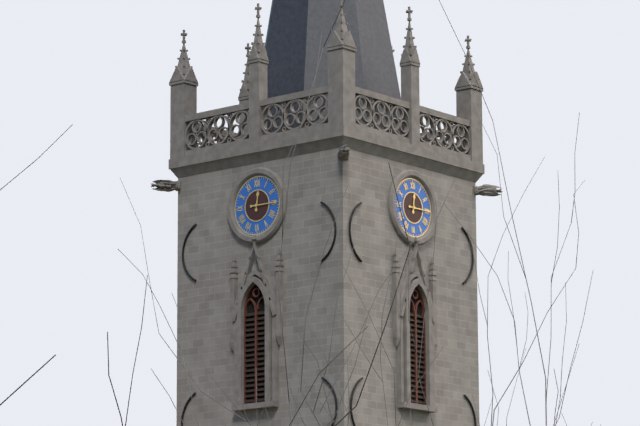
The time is **12:15**
